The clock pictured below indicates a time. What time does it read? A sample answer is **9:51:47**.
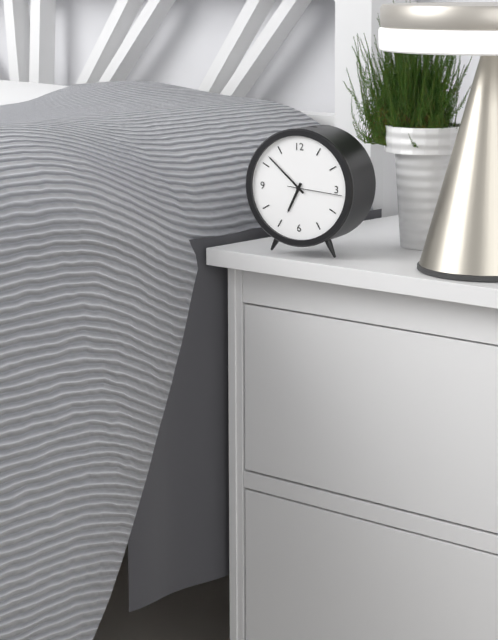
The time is **6:52:16**
